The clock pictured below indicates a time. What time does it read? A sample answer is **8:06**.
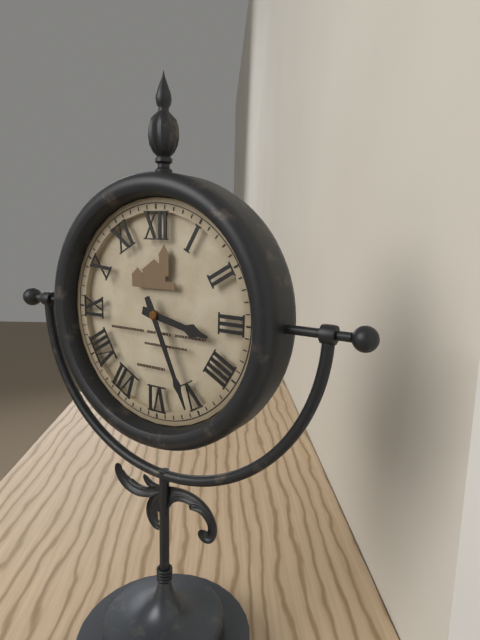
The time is **3:26**
